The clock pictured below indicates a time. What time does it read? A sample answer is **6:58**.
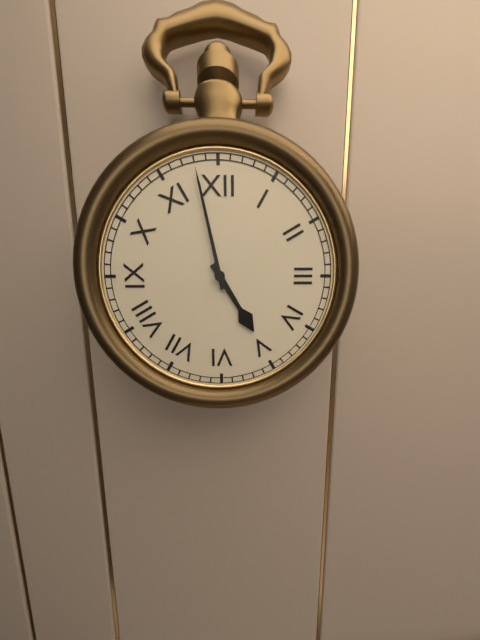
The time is **4:58**
